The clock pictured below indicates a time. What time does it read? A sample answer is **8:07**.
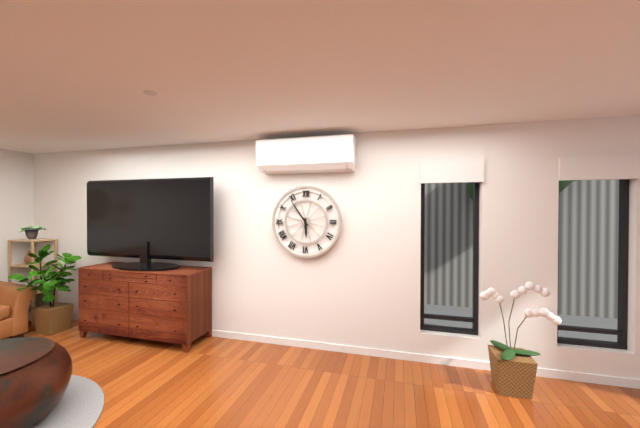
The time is **5:54**
